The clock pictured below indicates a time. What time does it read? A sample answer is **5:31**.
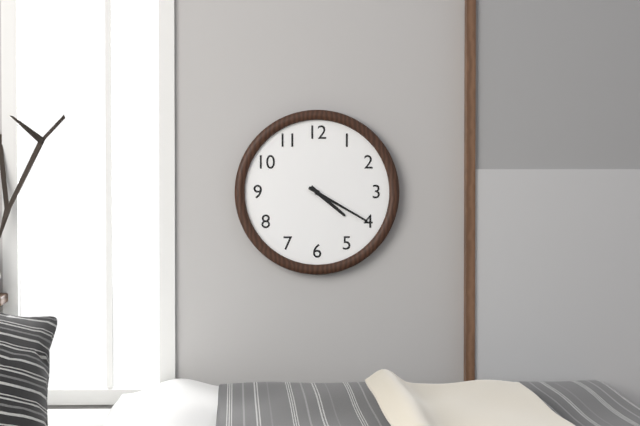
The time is **4:20**
